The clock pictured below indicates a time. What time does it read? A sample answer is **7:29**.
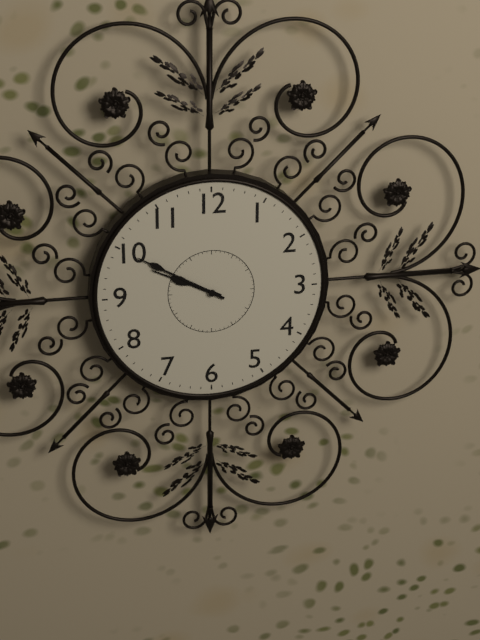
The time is **9:50**
